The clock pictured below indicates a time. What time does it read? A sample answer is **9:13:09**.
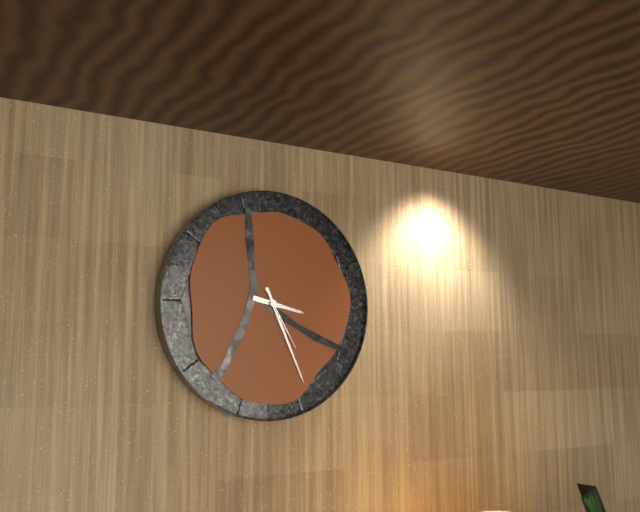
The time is **3:26:25**
